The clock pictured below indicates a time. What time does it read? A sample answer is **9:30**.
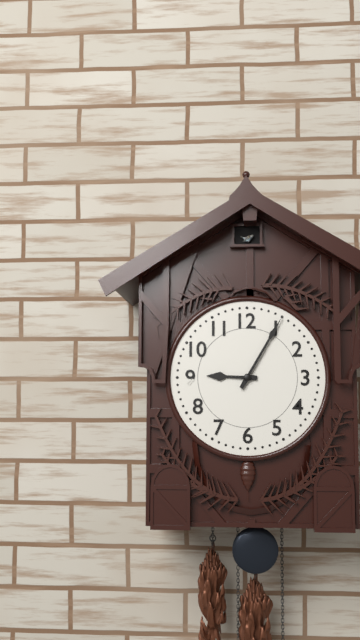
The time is **9:05**
